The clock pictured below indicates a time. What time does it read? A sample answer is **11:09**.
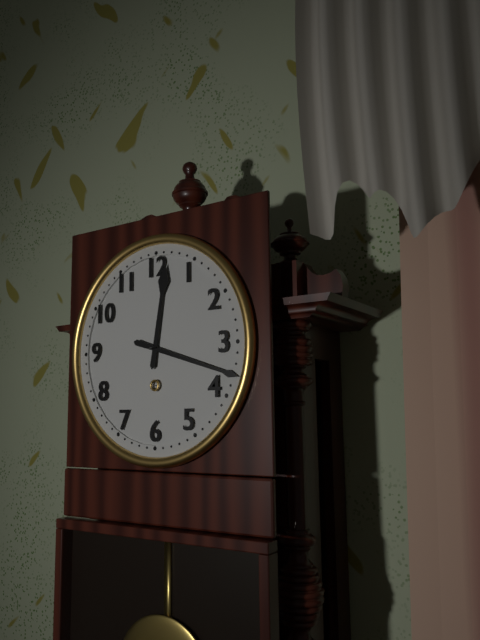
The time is **12:18**
